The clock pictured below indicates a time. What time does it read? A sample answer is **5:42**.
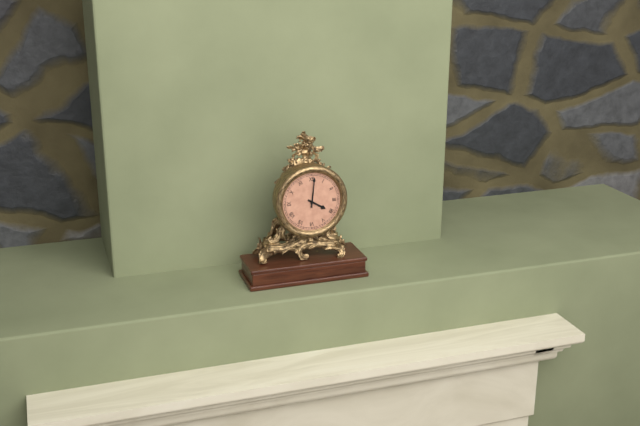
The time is **4:01**
